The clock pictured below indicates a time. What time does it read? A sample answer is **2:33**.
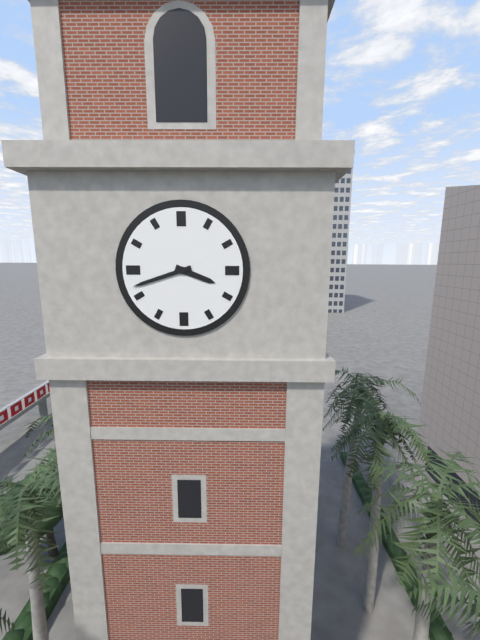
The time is **3:42**
